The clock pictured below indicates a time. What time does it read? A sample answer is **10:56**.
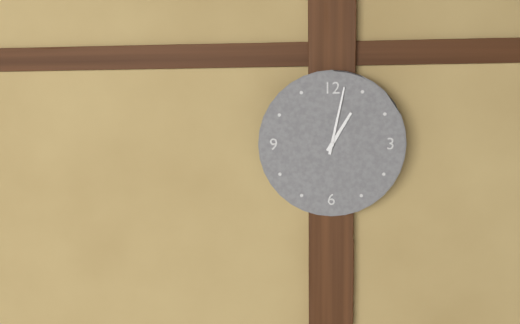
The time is **1:02**
